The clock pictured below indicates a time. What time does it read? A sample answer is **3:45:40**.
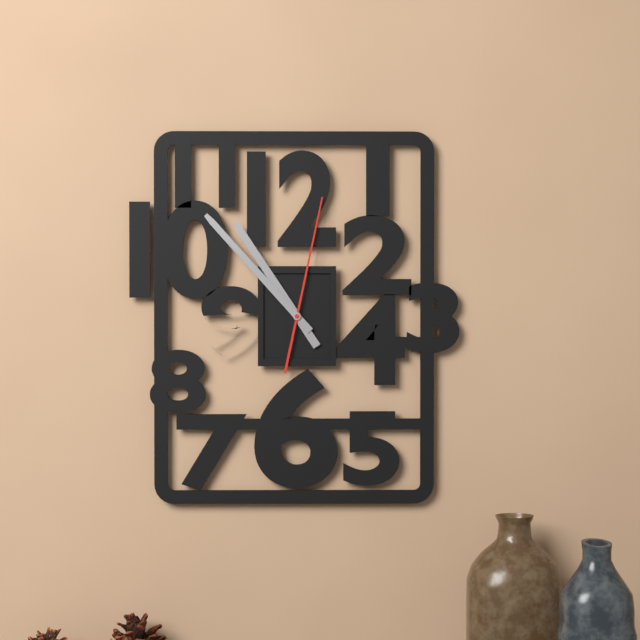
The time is **10:53:02**
